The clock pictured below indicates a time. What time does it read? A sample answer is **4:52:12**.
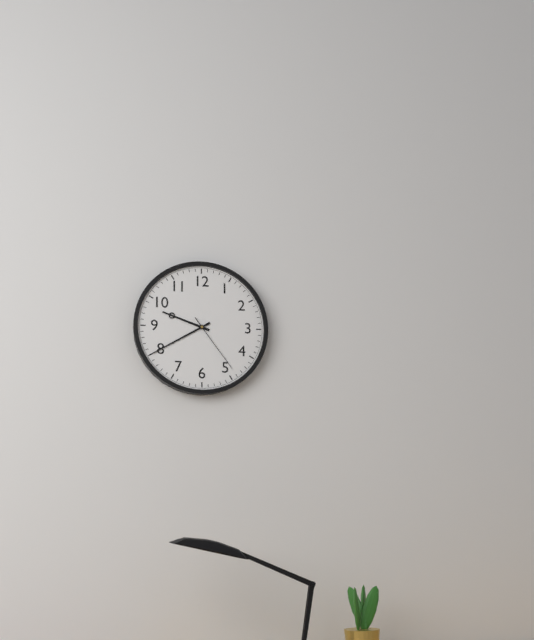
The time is **9:40:24**
